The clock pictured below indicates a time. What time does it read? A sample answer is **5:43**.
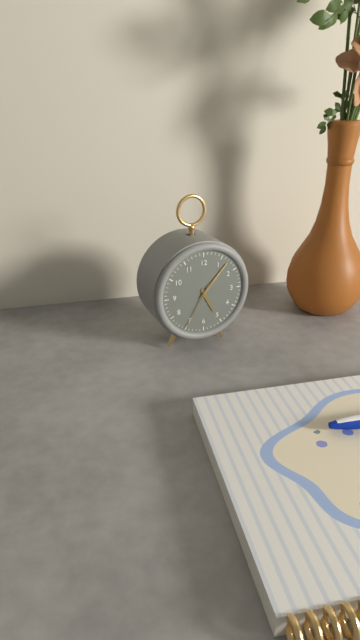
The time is **5:07**
